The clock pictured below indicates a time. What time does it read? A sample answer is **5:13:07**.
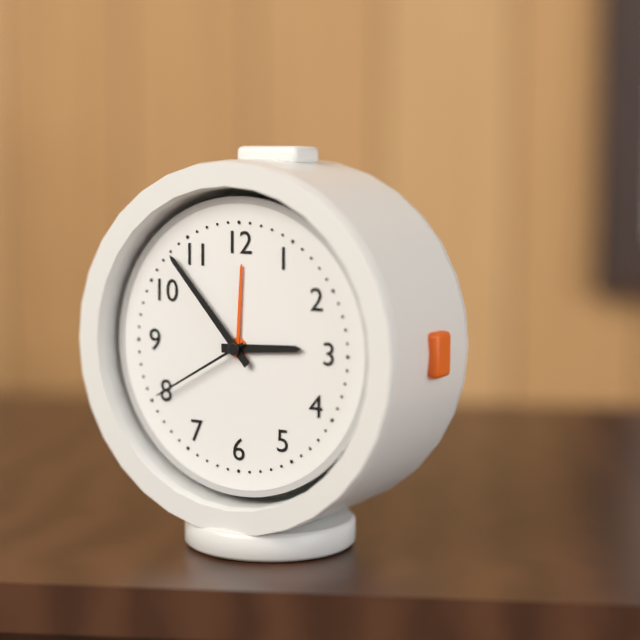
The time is **2:53:40**
